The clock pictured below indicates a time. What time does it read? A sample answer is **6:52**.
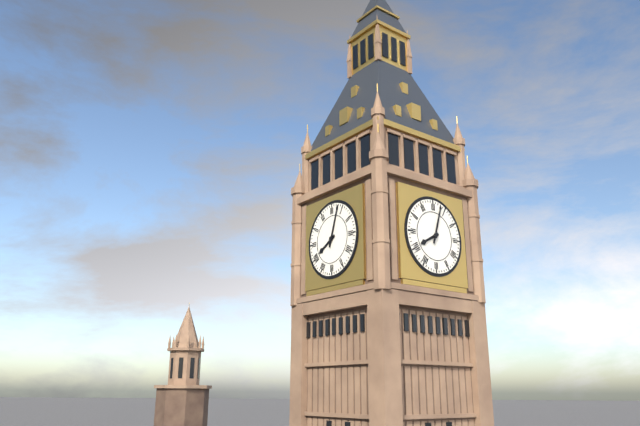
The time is **8:03**
